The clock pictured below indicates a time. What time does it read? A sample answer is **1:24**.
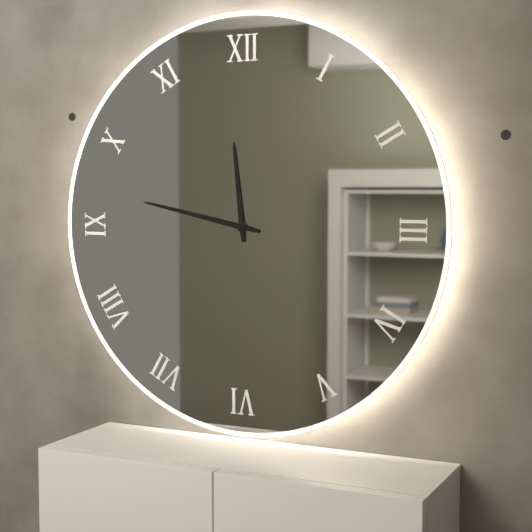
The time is **11:47**
